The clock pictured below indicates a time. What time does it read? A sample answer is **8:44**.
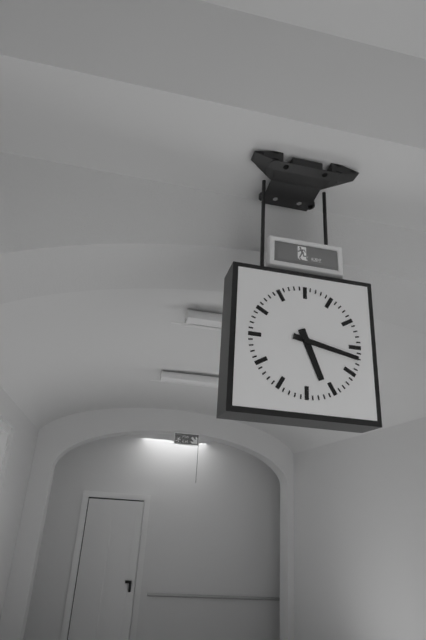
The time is **5:17**
